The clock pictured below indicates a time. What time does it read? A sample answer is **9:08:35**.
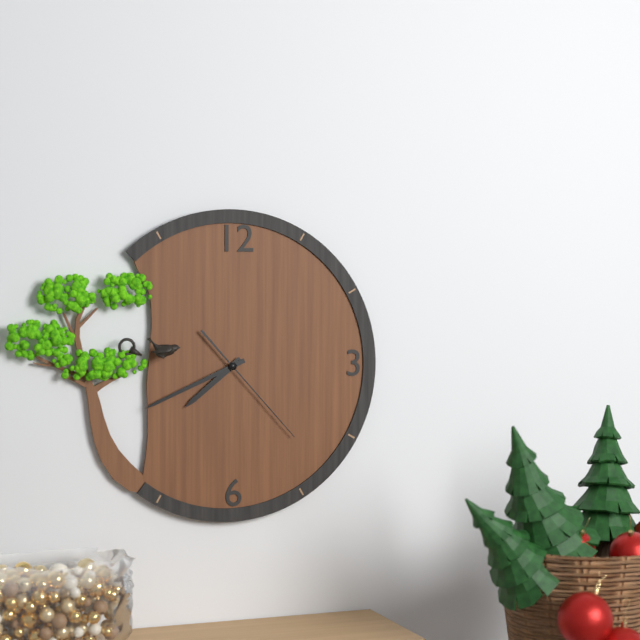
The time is **7:41:23**
